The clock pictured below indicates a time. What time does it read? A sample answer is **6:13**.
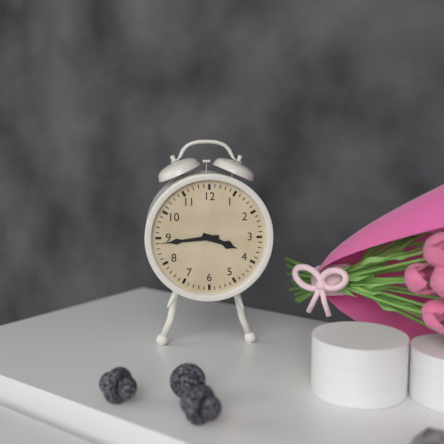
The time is **3:44**
